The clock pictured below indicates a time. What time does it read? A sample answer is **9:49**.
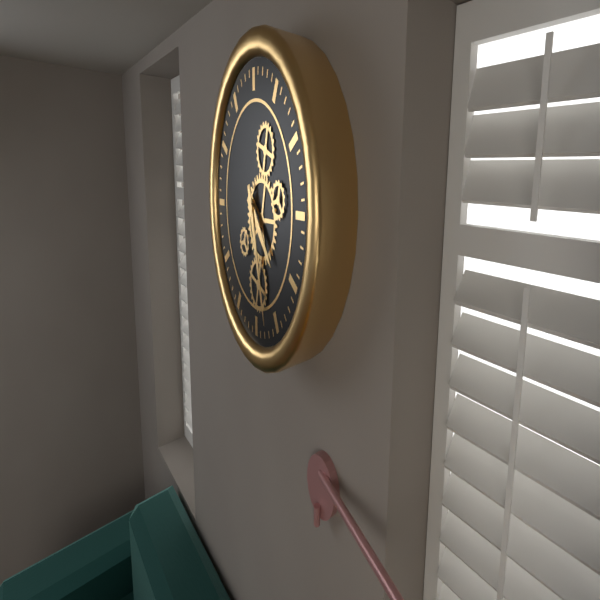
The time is **4:27**
